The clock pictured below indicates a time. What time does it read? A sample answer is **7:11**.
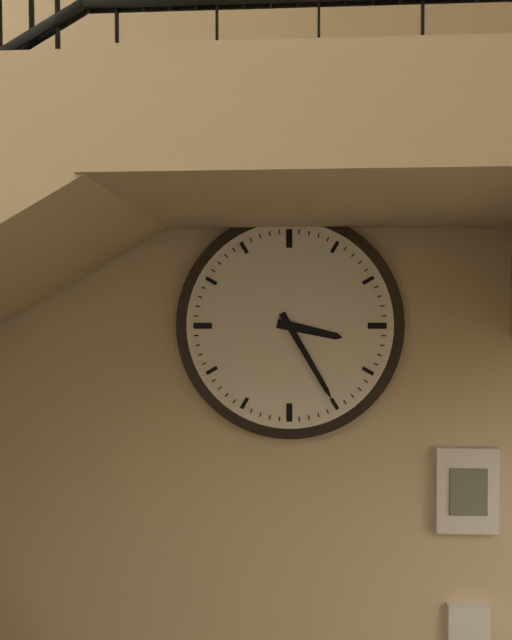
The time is **3:25**
